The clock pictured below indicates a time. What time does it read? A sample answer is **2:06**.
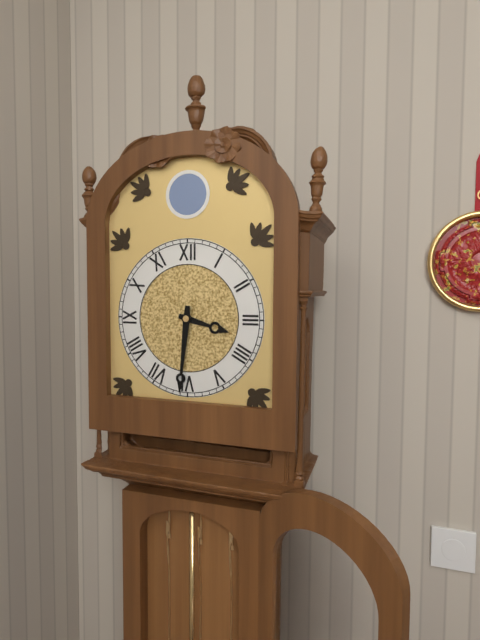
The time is **3:31**
